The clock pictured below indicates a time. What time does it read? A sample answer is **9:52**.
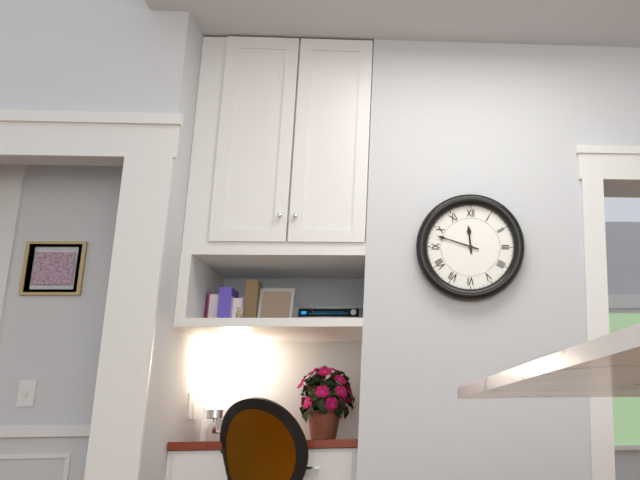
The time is **11:48**
